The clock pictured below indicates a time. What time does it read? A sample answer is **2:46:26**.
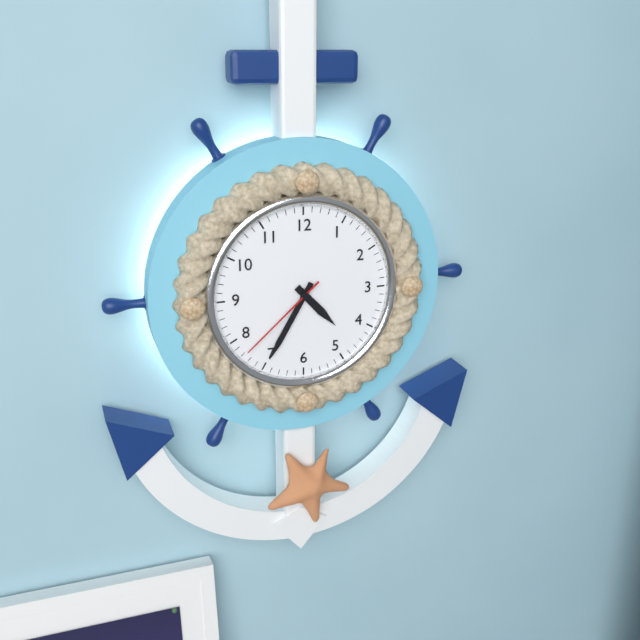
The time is **4:35:38**
